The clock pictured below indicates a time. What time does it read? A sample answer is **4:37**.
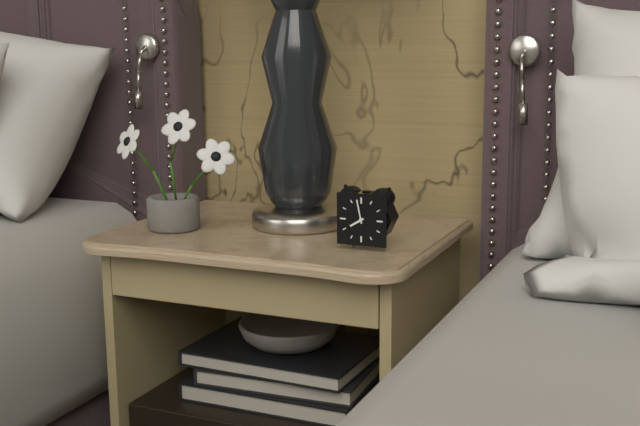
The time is **7:58**
